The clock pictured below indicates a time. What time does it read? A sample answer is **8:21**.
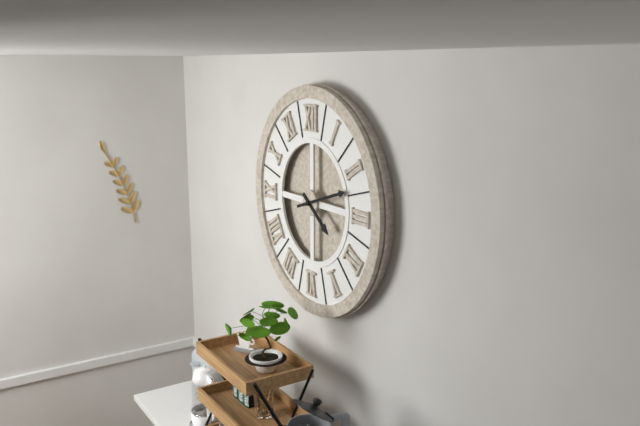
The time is **4:12**
